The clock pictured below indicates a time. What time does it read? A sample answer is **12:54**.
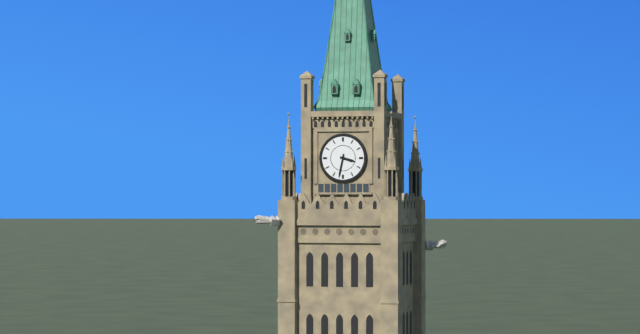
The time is **3:32**
